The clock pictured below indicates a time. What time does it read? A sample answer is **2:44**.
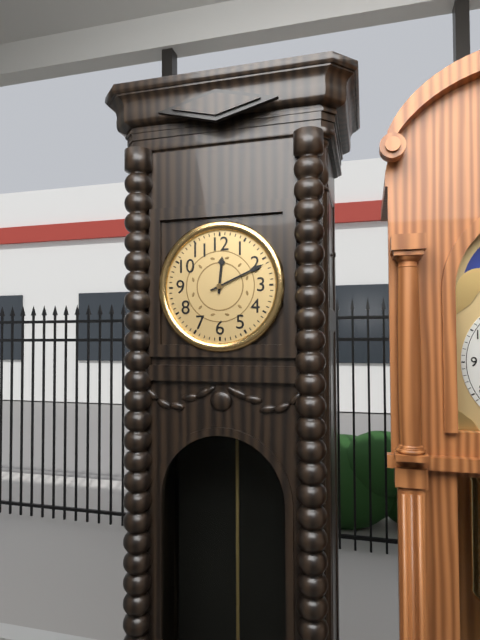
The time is **12:11**
